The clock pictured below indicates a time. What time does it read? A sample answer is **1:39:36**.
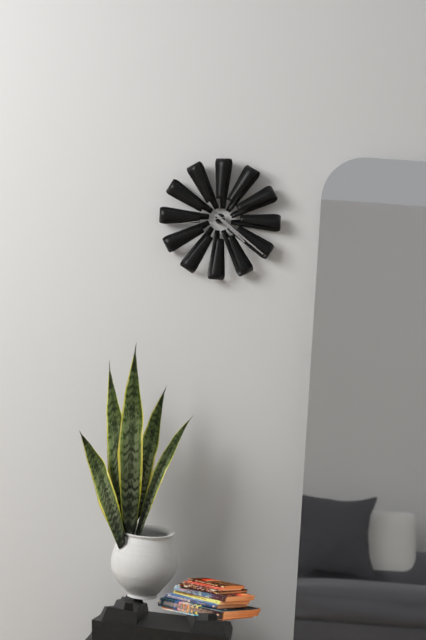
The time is **4:21:43**
